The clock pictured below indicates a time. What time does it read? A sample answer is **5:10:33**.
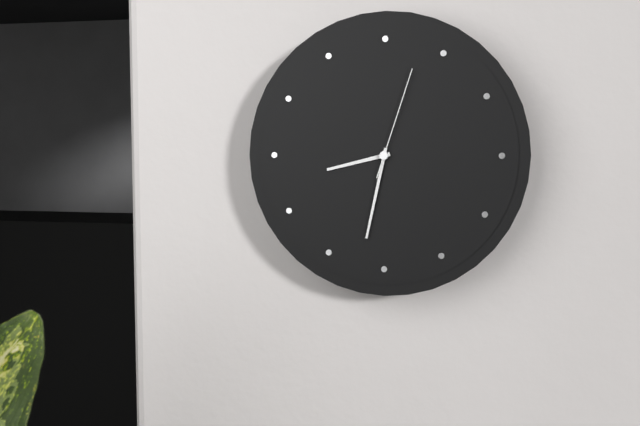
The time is **8:32:03**
